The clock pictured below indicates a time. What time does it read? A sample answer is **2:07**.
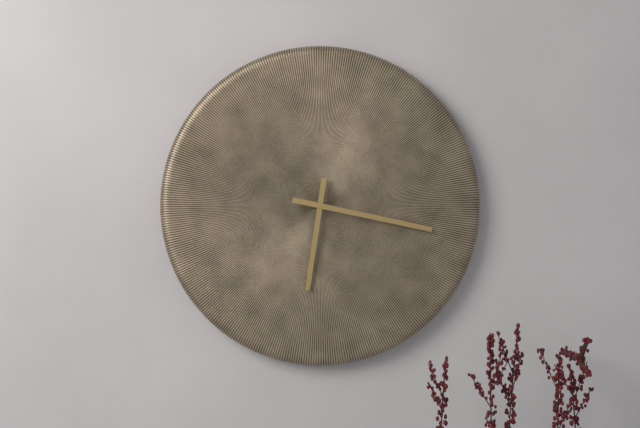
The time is **6:17**
